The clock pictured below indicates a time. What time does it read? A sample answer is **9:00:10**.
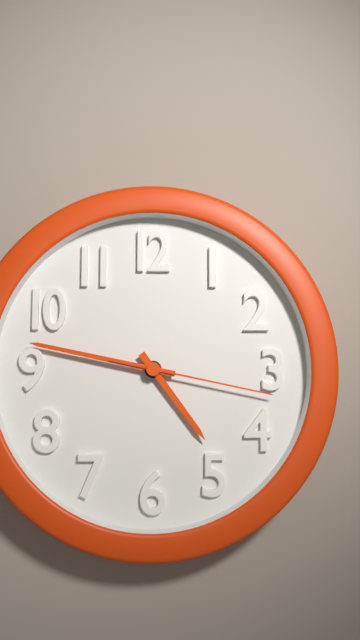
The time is **4:47:17**
